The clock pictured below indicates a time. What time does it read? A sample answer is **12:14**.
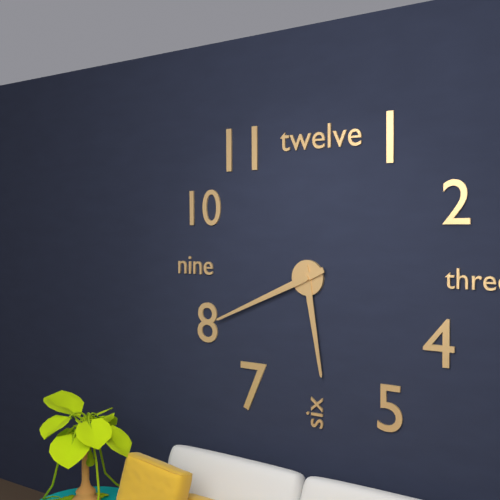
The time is **5:41**
